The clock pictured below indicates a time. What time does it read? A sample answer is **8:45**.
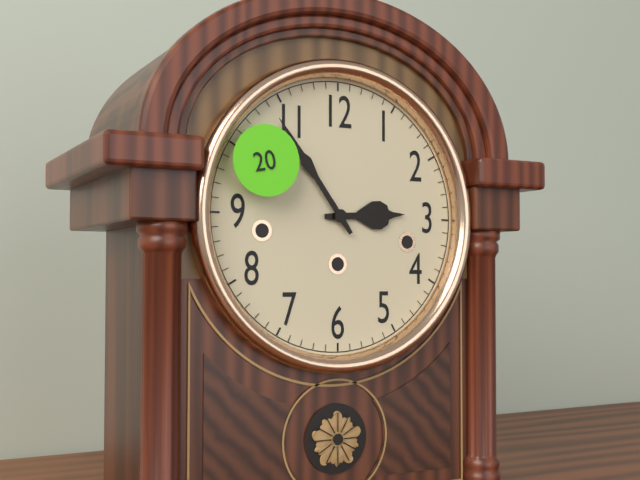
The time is **2:54**
